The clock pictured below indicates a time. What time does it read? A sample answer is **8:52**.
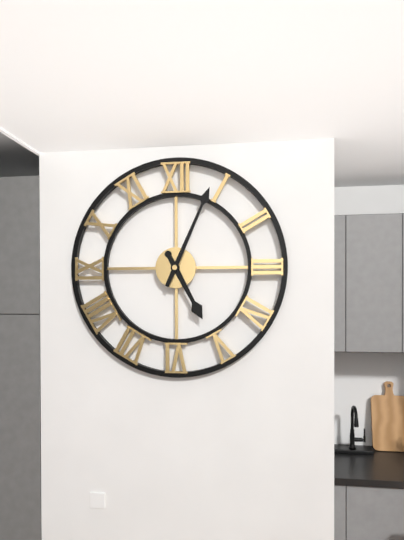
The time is **5:04**
